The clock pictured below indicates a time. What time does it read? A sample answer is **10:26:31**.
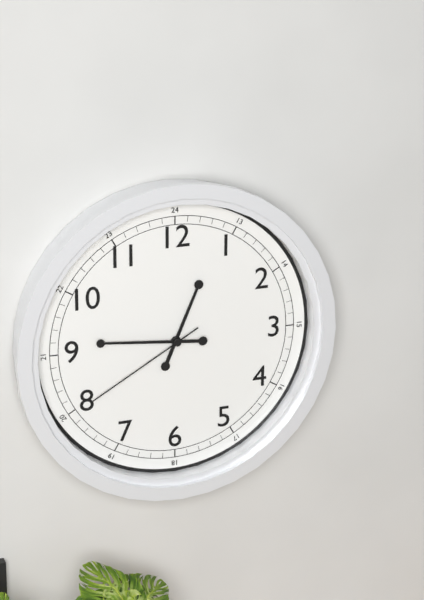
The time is **12:46:40**
